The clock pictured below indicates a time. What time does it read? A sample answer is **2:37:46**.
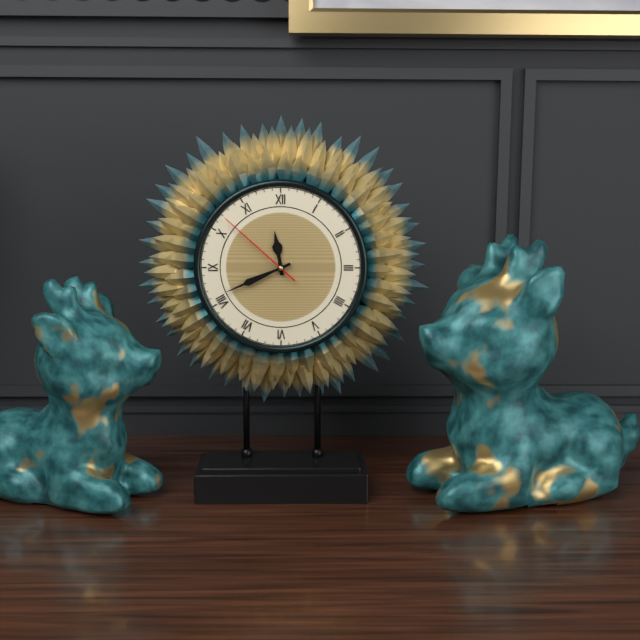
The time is **11:41:52**
